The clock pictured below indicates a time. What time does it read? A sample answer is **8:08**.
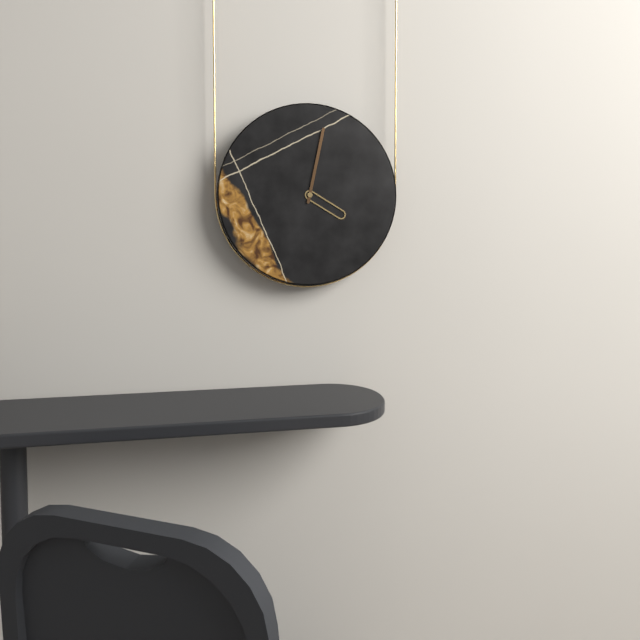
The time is **4:02**
